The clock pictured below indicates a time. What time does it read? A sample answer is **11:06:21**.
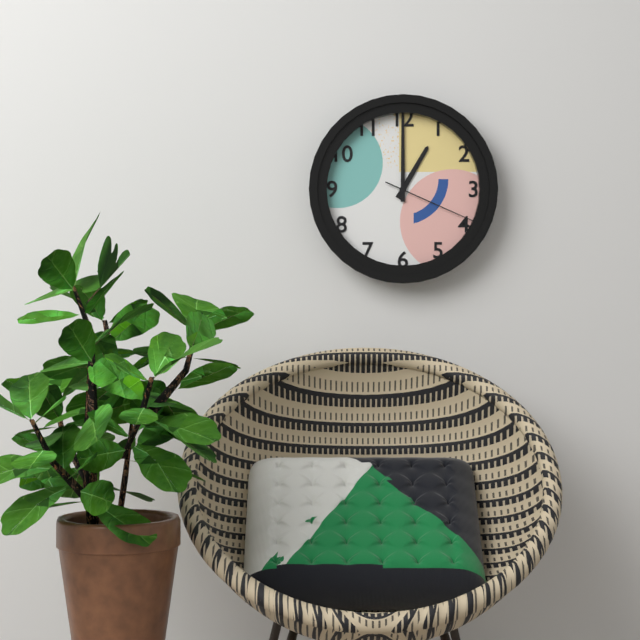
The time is **1:00:19**
